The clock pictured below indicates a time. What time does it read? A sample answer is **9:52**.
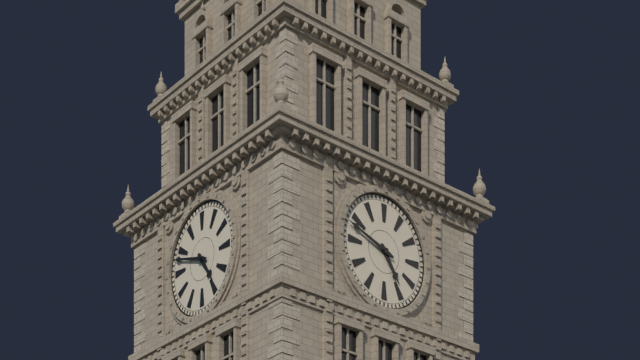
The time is **4:48**
